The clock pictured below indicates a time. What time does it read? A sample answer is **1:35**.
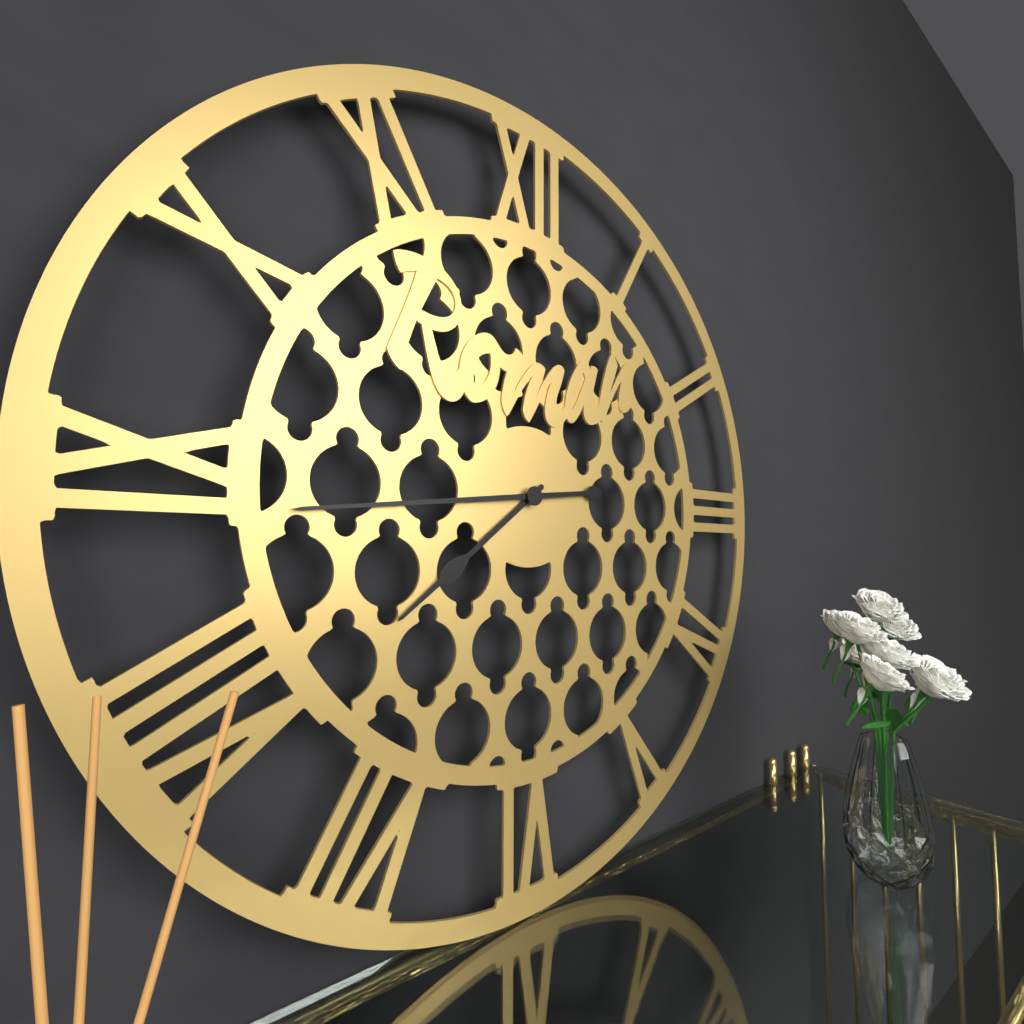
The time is **7:44**
